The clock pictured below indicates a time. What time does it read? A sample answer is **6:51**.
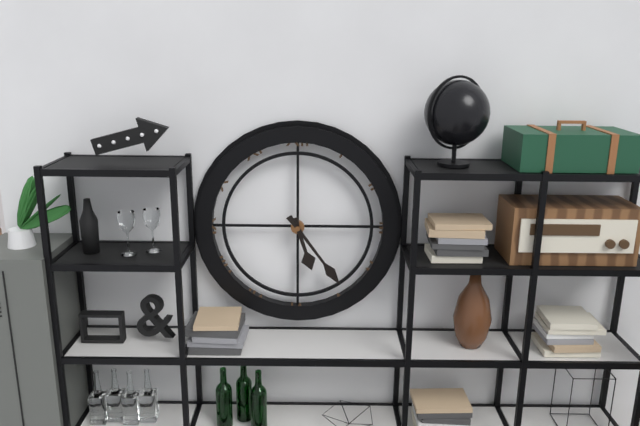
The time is **5:24**
